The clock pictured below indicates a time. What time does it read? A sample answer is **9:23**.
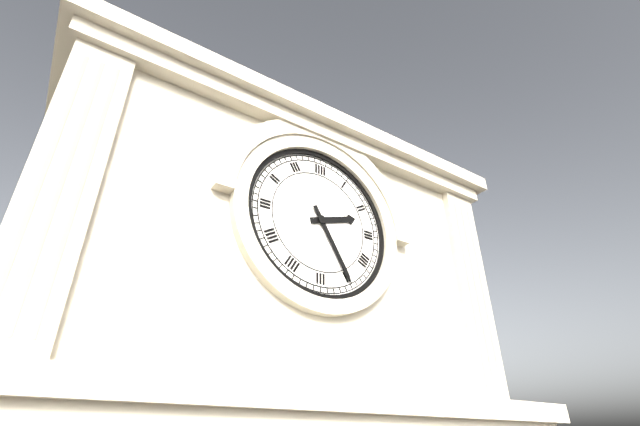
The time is **2:25**
